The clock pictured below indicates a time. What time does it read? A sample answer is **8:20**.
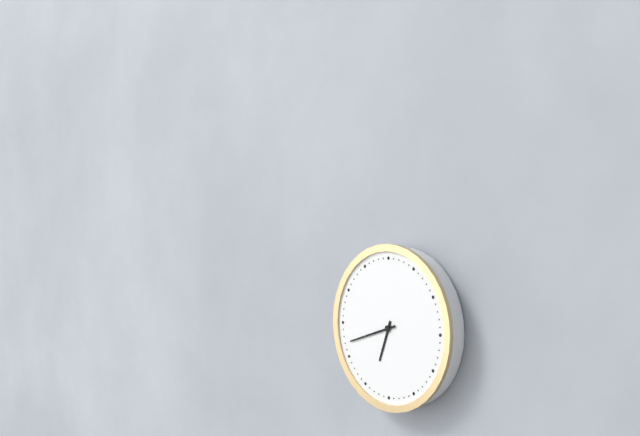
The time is **6:42**
